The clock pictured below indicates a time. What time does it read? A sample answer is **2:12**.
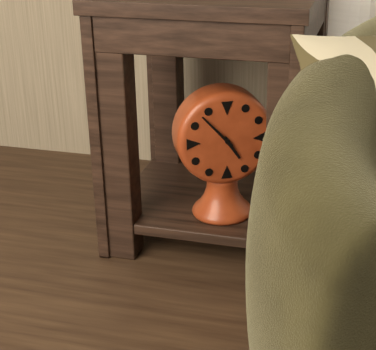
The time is **4:53**
